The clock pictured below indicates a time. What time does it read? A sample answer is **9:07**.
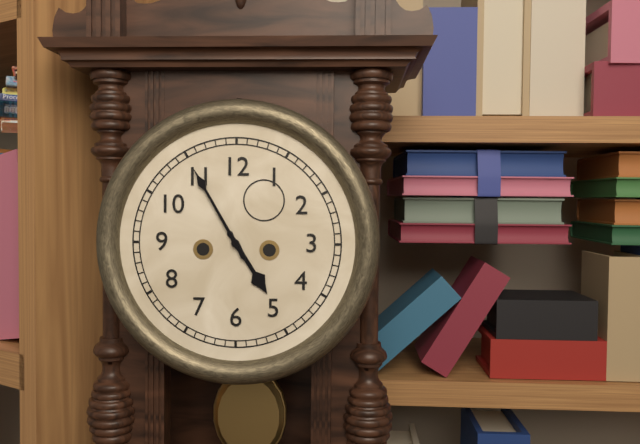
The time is **4:55**
